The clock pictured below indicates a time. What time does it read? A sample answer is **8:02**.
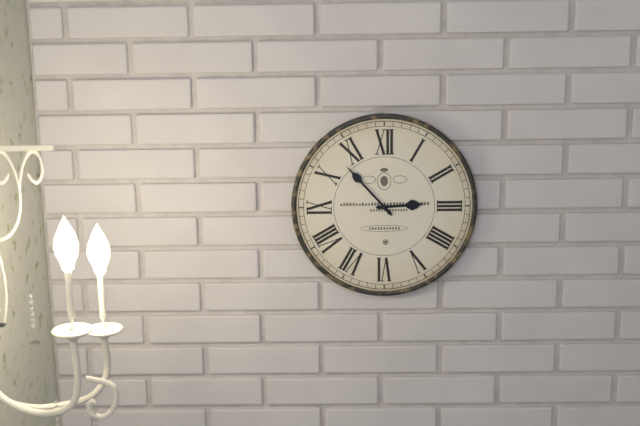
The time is **2:53**
